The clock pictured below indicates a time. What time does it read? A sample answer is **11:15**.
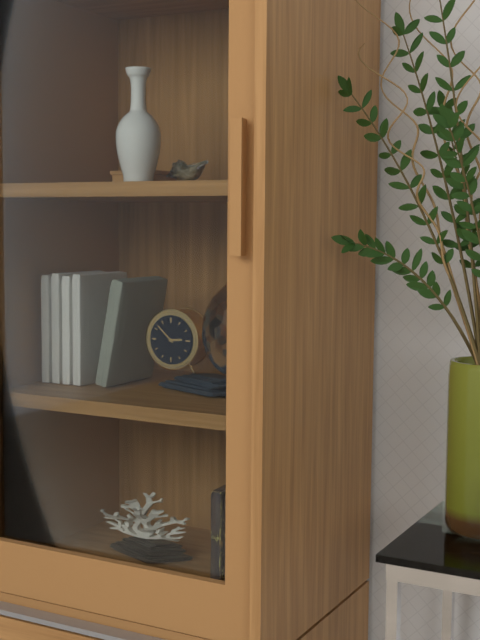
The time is **2:52**
